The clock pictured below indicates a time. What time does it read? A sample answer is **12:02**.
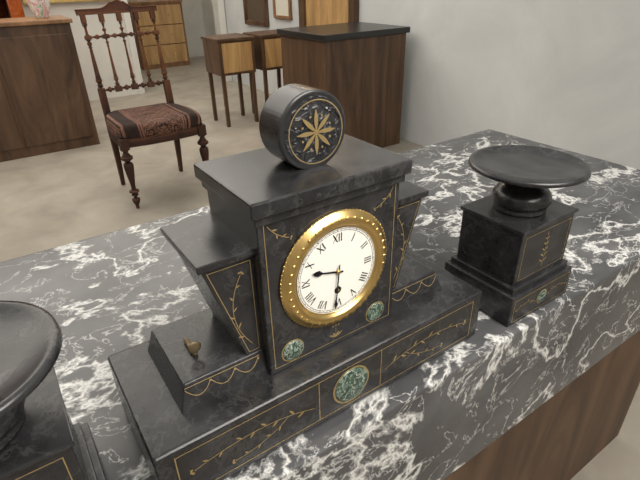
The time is **9:31**
